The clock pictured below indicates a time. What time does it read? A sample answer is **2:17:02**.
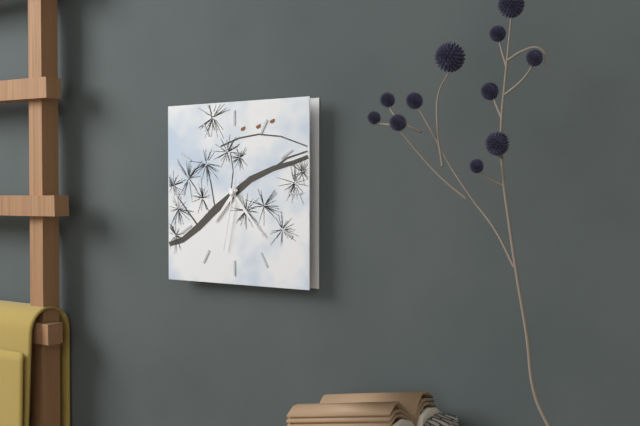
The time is **7:23:32**
